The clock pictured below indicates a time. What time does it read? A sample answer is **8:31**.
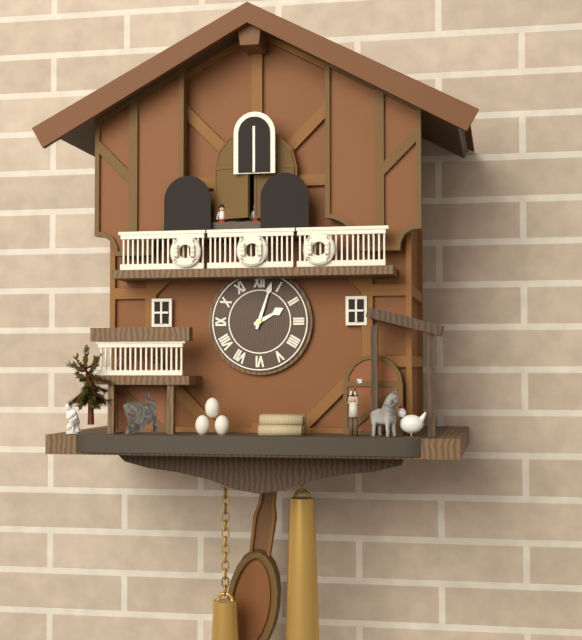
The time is **2:03**
